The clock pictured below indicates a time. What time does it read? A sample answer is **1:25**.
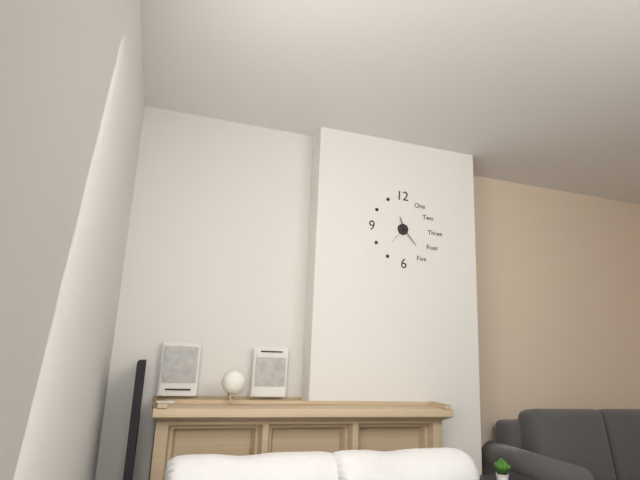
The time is **11:23**
